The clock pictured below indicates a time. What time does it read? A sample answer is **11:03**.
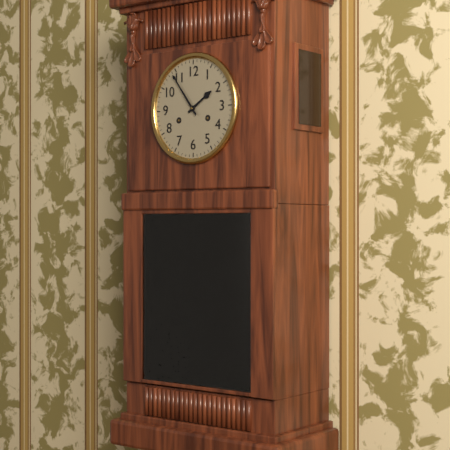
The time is **1:54**
